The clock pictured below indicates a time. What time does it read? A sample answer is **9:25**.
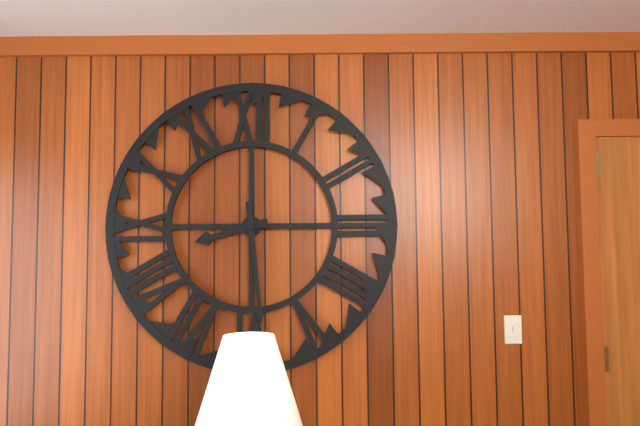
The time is **8:29**
